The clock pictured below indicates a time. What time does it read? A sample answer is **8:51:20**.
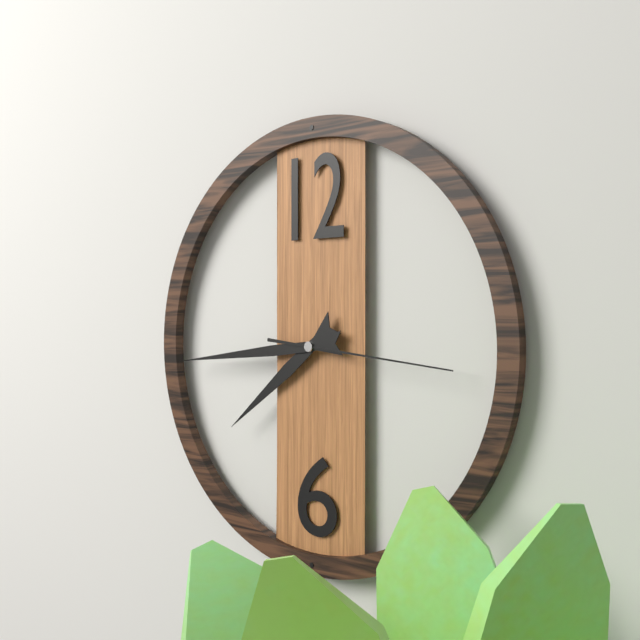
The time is **7:44:16**
